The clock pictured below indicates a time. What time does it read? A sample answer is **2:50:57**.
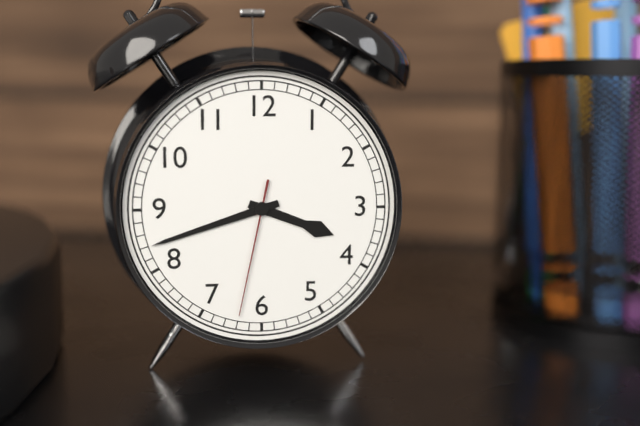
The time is **3:42:32**
